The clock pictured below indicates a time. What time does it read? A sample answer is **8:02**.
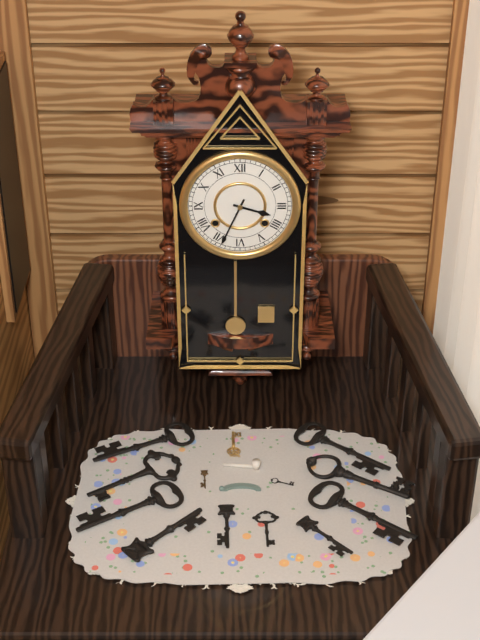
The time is **3:34**
